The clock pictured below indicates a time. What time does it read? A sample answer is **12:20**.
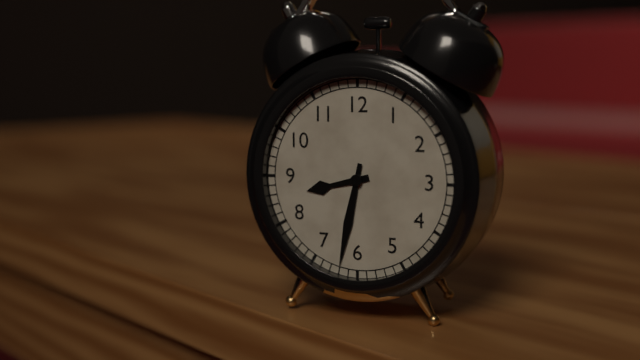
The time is **8:32**
